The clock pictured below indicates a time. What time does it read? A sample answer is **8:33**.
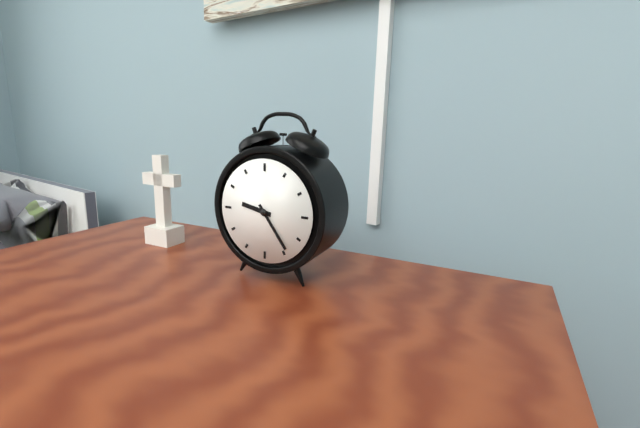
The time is **9:24**
